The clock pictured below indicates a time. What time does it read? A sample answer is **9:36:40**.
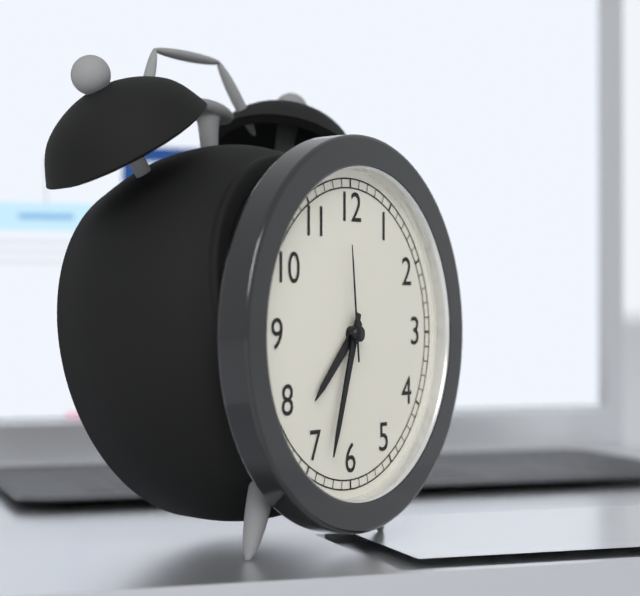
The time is **7:33:59**
